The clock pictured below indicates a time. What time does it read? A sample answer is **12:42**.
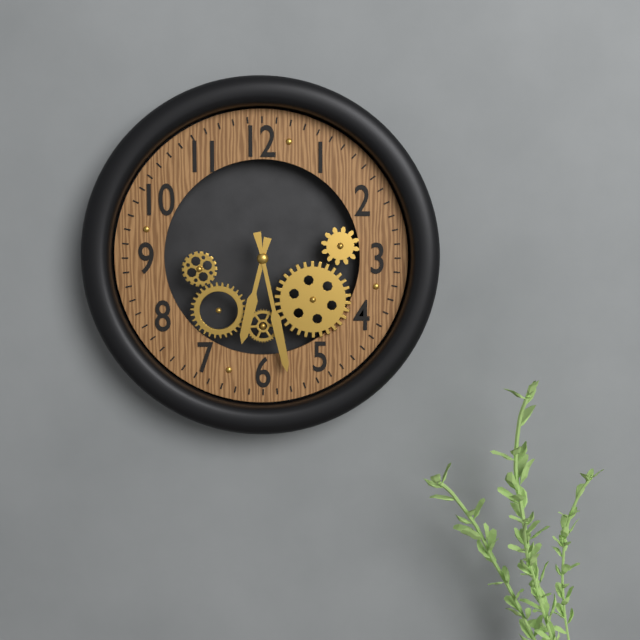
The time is **6:28**
